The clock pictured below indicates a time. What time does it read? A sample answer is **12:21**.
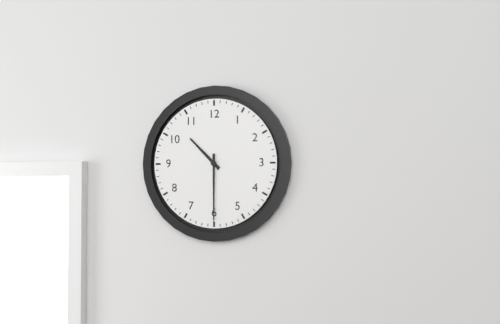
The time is **10:30**
